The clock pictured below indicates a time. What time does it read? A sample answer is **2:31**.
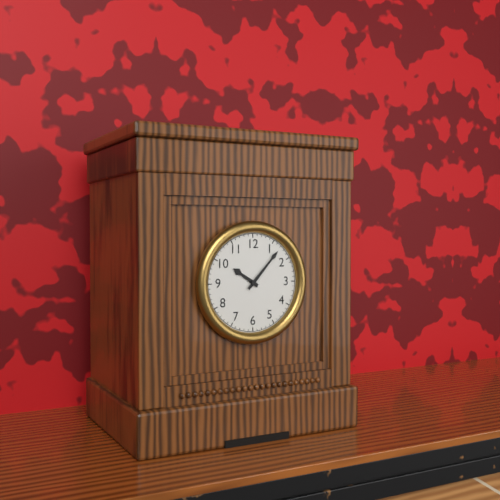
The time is **10:07**
